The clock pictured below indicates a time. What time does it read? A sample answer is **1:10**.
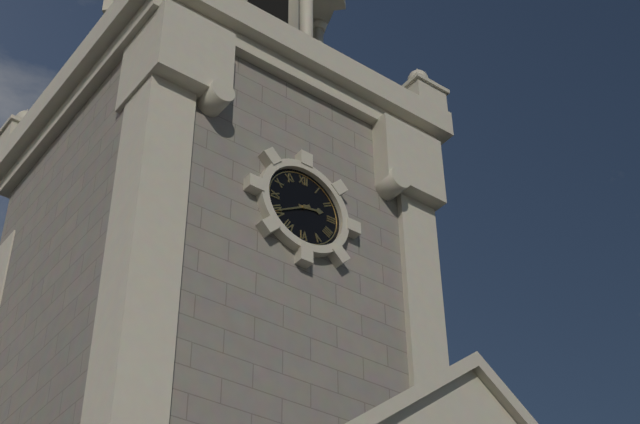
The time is **2:40**
